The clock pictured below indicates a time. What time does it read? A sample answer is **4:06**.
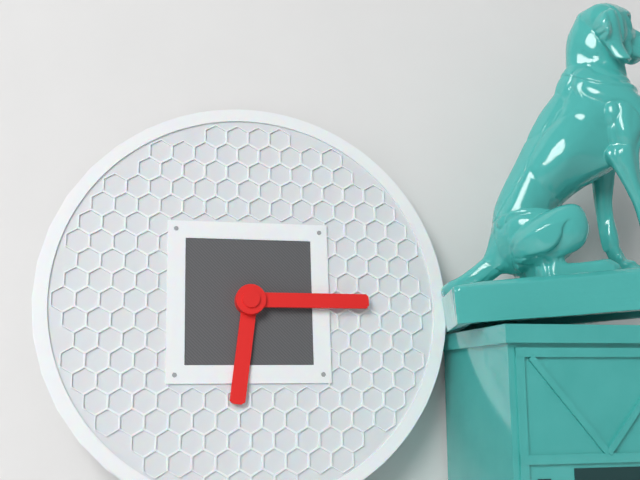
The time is **6:15**
